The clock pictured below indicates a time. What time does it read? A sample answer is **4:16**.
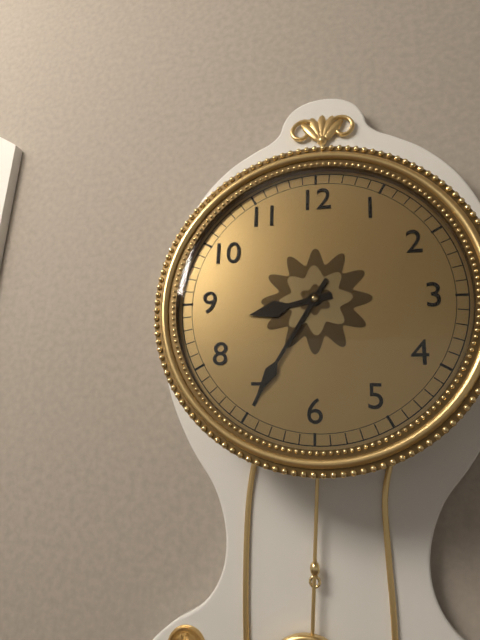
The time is **8:35**
